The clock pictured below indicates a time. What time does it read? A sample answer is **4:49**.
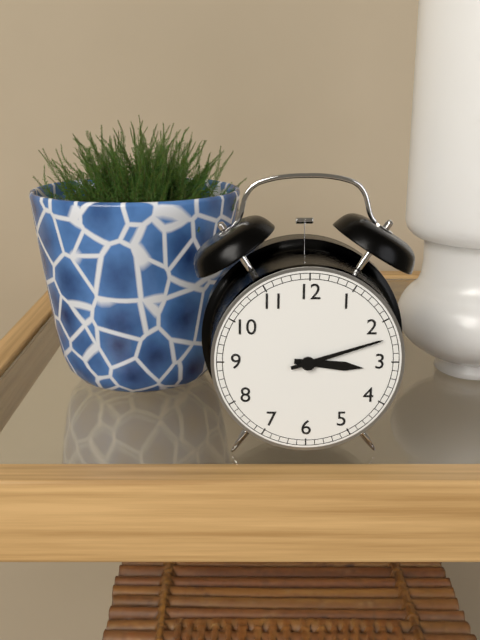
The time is **3:12**
